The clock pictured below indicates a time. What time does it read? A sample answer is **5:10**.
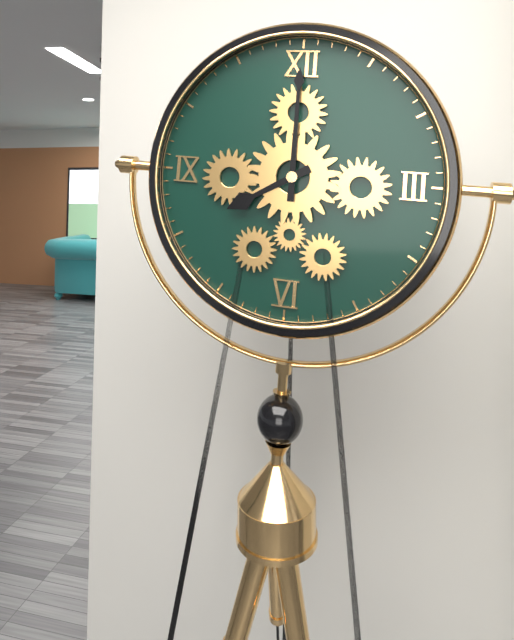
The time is **8:00**
